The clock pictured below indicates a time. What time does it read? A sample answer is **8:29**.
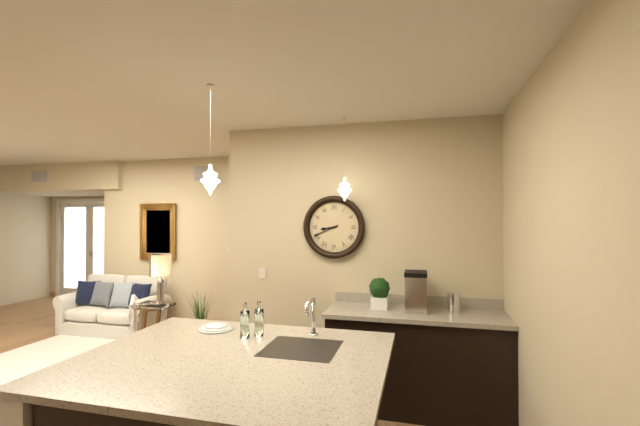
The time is **8:41**
